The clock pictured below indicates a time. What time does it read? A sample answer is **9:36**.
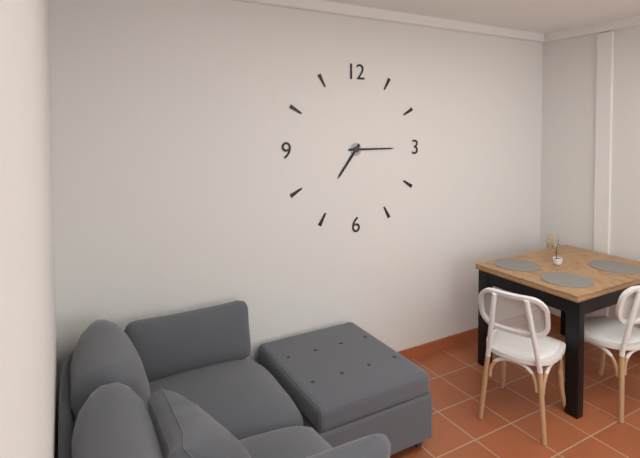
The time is **7:15**
